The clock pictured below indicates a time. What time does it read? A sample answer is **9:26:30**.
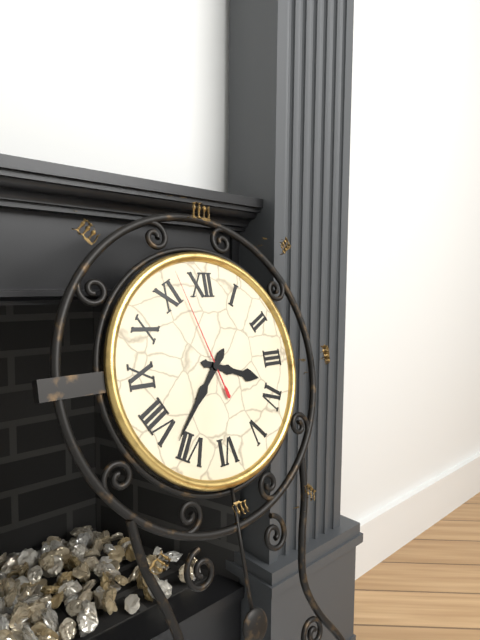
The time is **3:37:57**
